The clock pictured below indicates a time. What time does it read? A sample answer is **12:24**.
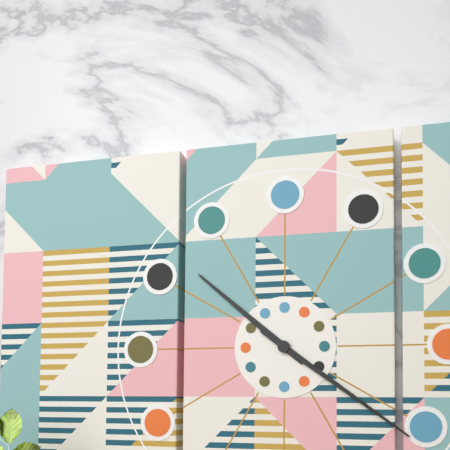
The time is **10:21**
